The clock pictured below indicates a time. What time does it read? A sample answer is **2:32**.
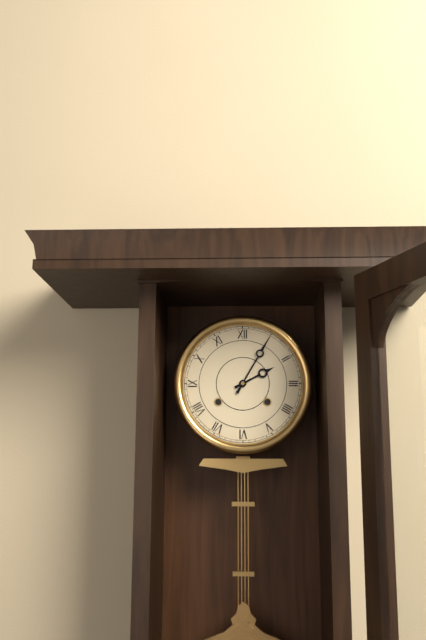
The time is **2:05**
